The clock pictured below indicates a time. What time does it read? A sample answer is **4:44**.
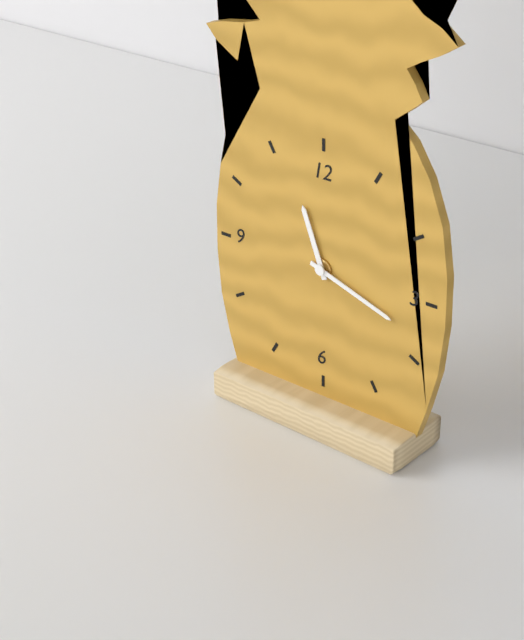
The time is **11:18**
